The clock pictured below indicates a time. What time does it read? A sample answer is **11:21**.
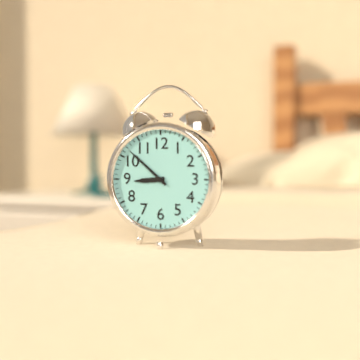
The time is **8:52**
